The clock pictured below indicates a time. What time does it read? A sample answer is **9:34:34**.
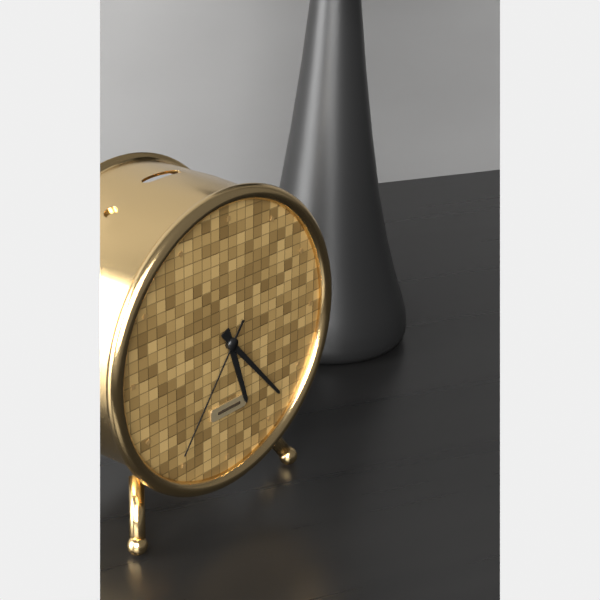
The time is **5:23:36**
